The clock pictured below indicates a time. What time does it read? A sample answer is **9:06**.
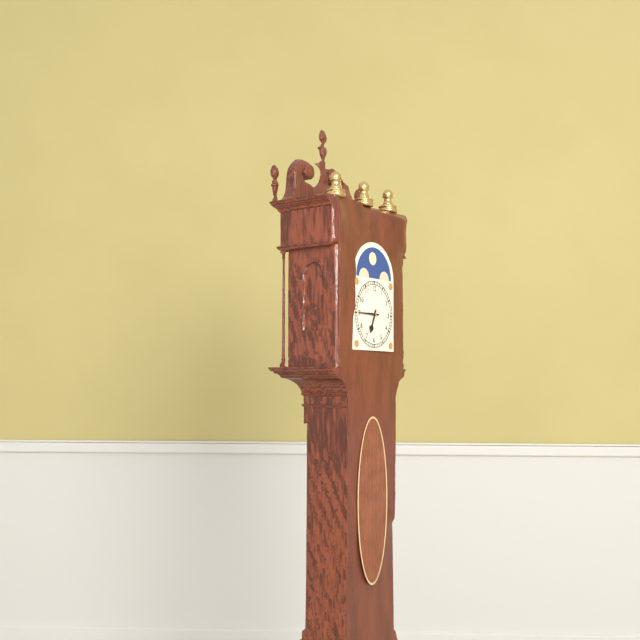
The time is **6:45**
